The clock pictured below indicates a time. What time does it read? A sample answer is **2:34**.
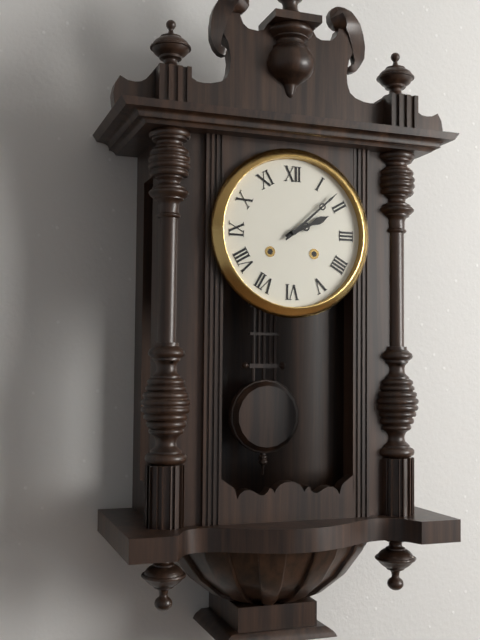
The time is **2:08**
